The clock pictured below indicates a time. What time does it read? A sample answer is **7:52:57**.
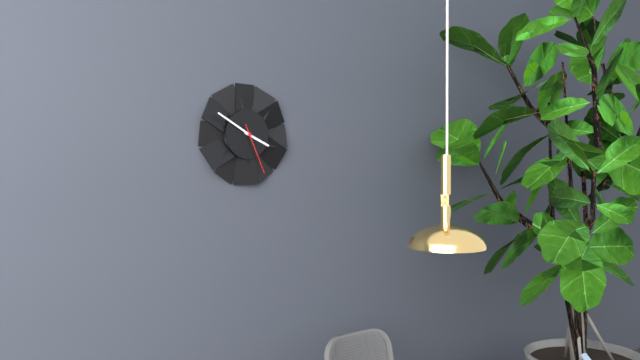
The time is **3:50:26**
